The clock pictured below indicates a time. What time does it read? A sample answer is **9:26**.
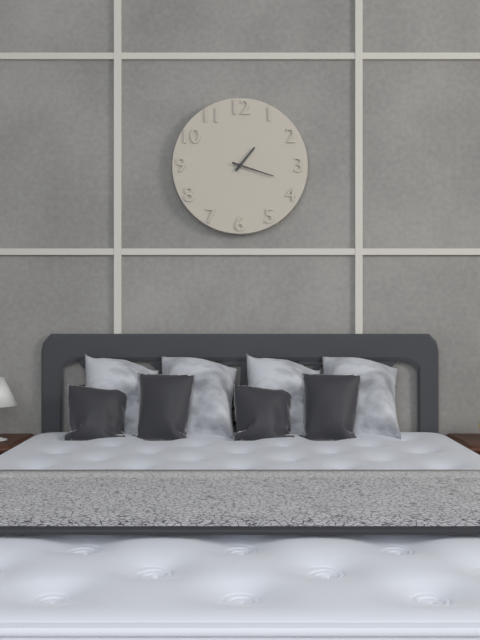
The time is **1:18**
